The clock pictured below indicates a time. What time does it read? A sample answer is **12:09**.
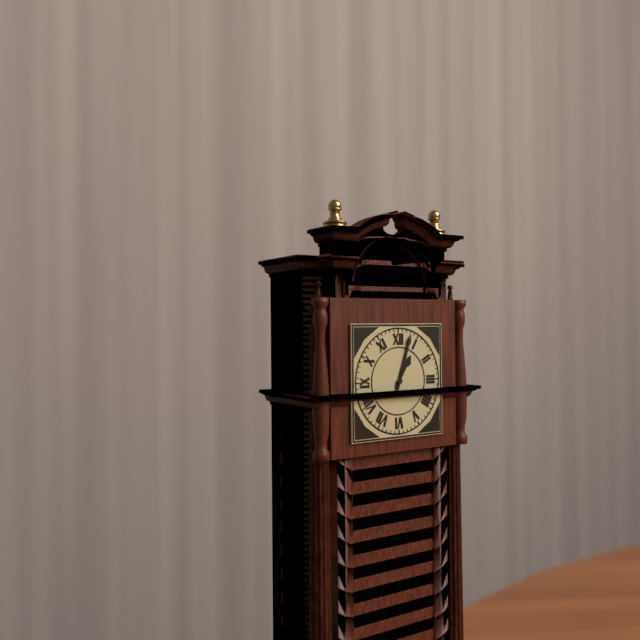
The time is **1:03**
